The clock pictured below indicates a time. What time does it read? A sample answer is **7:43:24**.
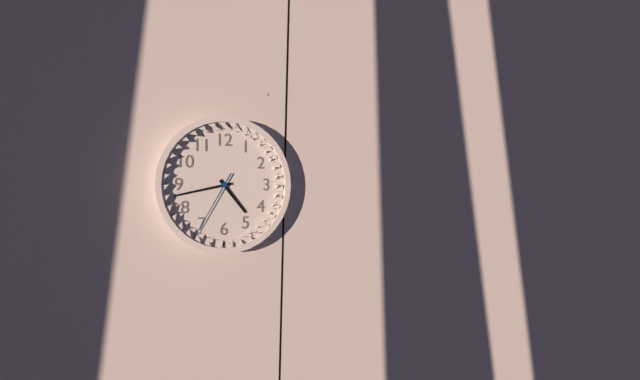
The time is **4:43:35**
